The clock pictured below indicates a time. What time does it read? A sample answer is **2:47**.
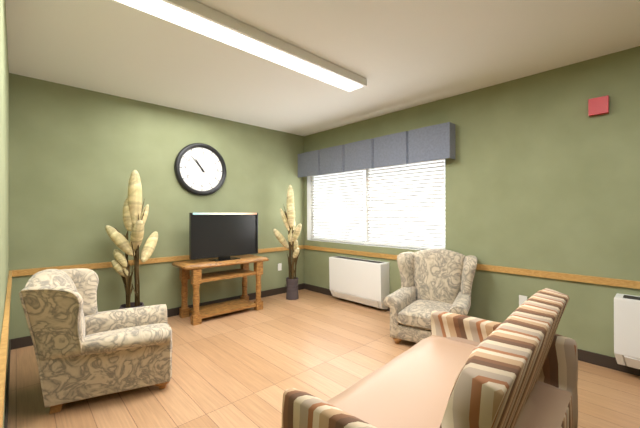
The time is **10:53**
